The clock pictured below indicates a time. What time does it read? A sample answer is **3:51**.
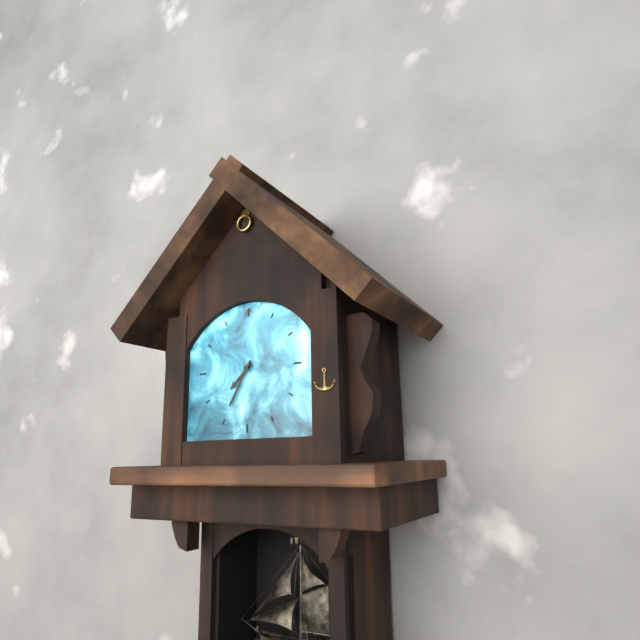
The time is **7:35**
